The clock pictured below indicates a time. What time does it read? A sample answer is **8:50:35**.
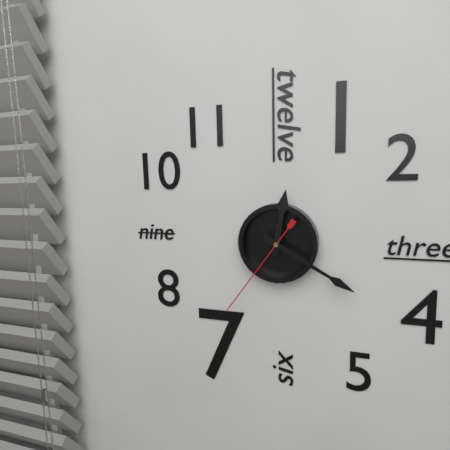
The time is **12:20:36**
